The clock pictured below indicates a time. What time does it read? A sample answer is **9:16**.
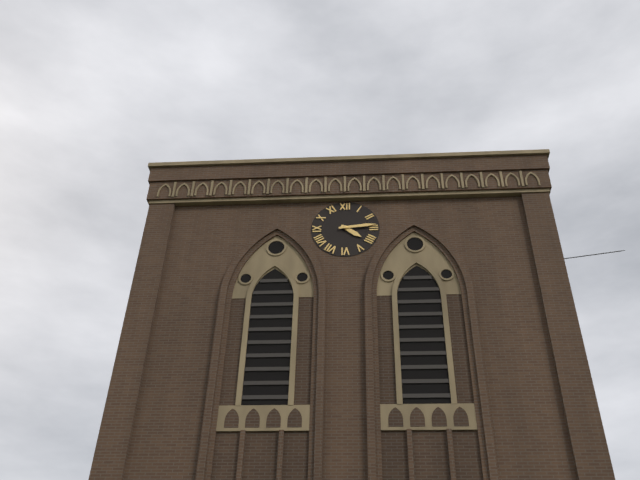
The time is **4:14**
